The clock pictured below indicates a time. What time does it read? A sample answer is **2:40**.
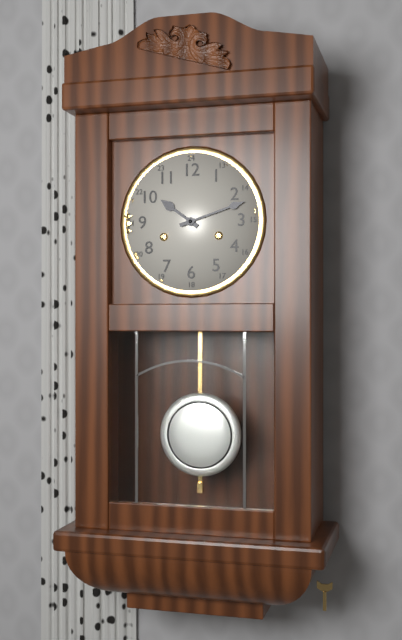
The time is **10:12**
